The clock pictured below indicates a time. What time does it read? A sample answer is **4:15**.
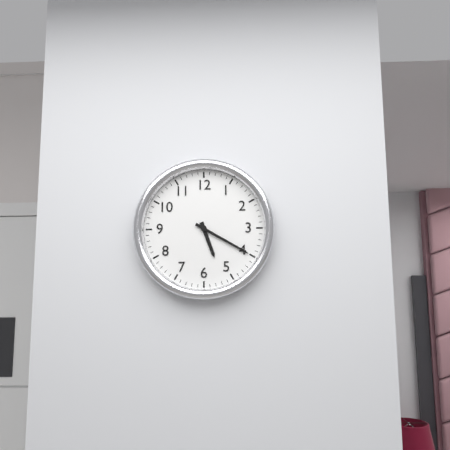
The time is **5:20**
